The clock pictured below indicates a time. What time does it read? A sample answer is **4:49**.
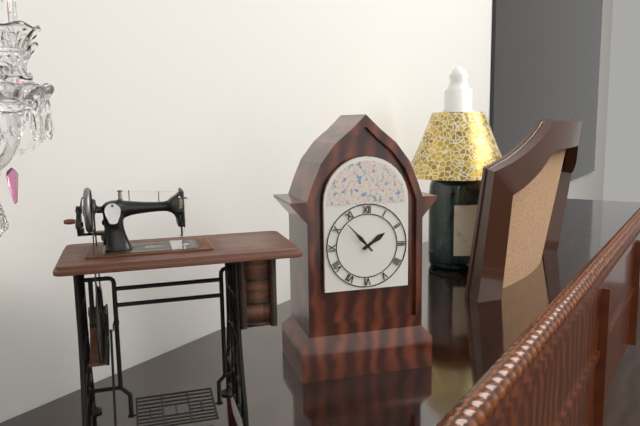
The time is **1:53**
